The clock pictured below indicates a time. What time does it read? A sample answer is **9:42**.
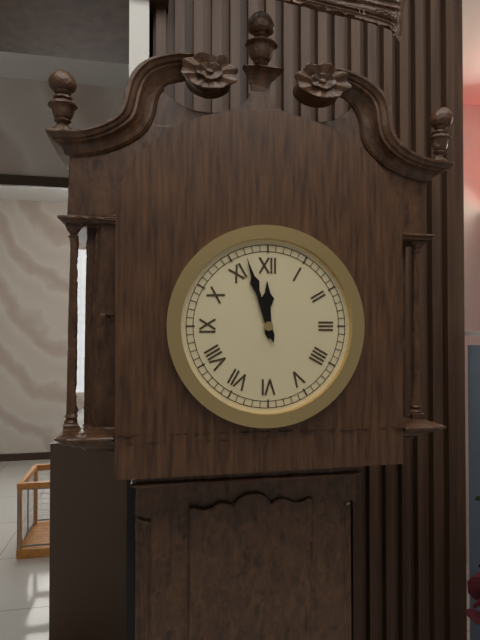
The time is **11:57**
